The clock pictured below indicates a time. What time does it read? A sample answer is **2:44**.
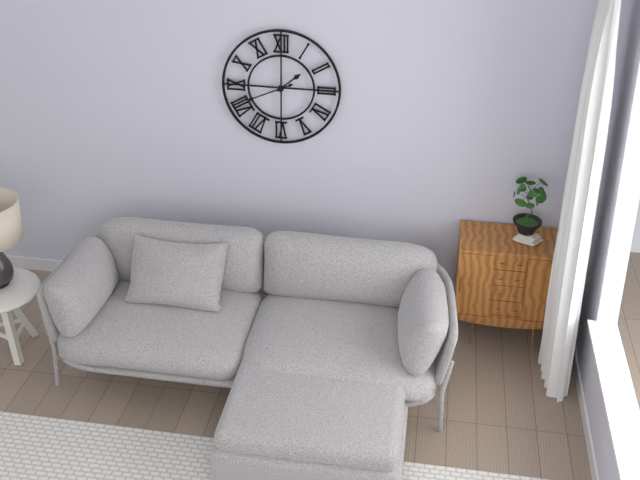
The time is **1:41**
